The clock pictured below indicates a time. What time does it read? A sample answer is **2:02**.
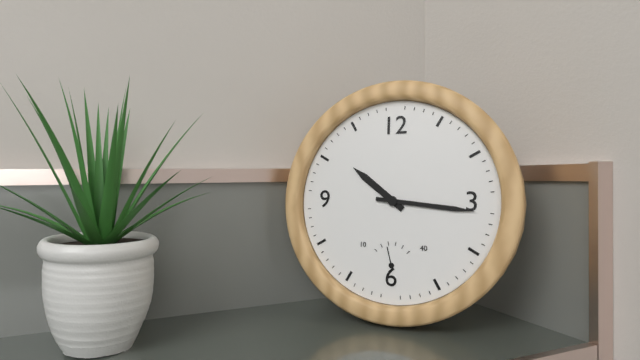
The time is **10:16**
